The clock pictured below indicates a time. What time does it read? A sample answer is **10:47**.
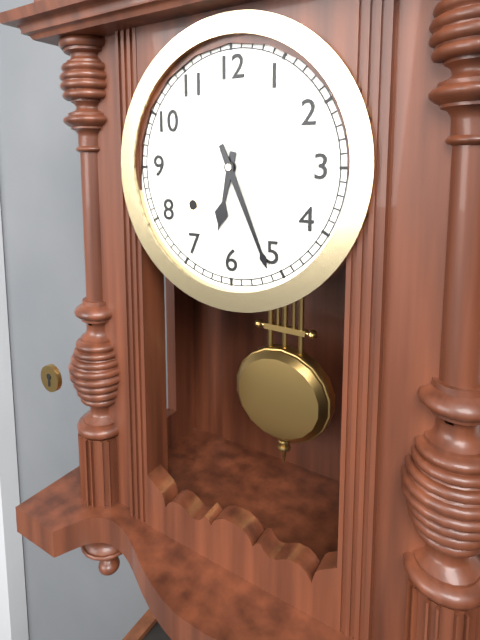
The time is **6:26**
